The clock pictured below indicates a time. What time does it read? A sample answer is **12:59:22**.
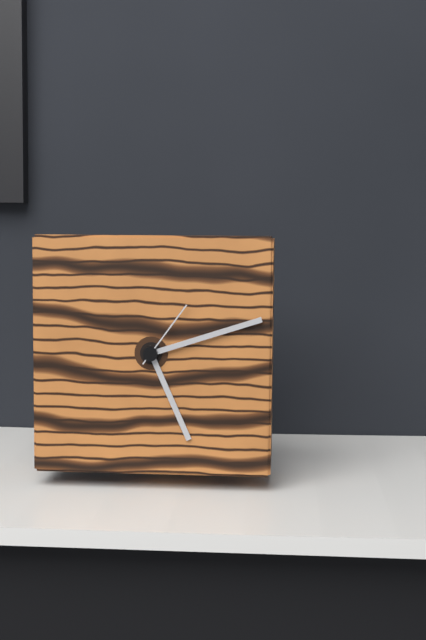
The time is **5:12:06**
